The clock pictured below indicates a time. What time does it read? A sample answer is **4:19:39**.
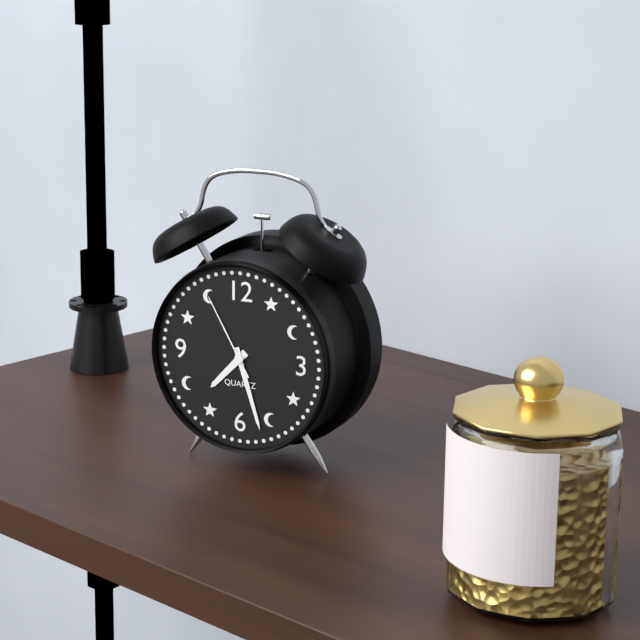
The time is **7:27:55**
